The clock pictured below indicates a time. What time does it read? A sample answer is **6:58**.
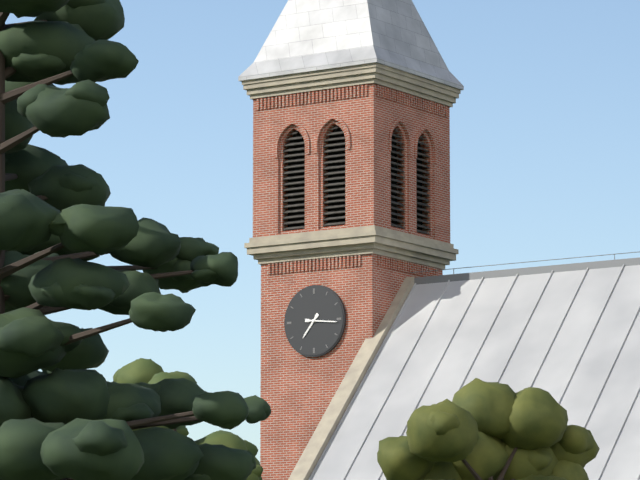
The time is **7:16**
